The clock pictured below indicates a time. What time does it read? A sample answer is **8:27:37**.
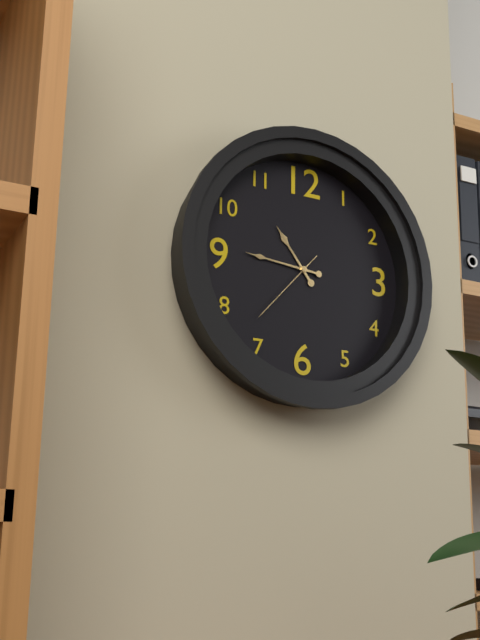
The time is **10:46:37**
